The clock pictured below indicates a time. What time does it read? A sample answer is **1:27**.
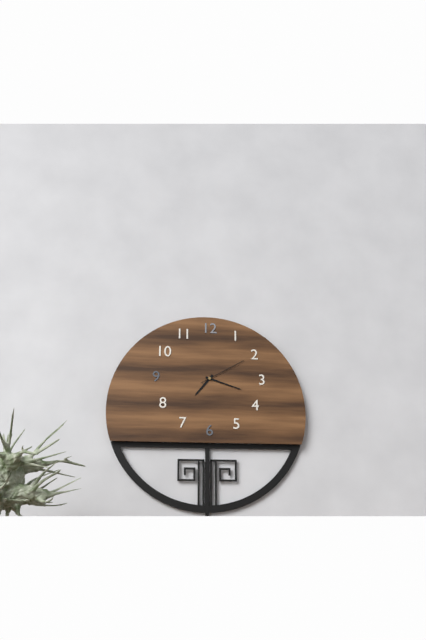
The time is **7:18**
